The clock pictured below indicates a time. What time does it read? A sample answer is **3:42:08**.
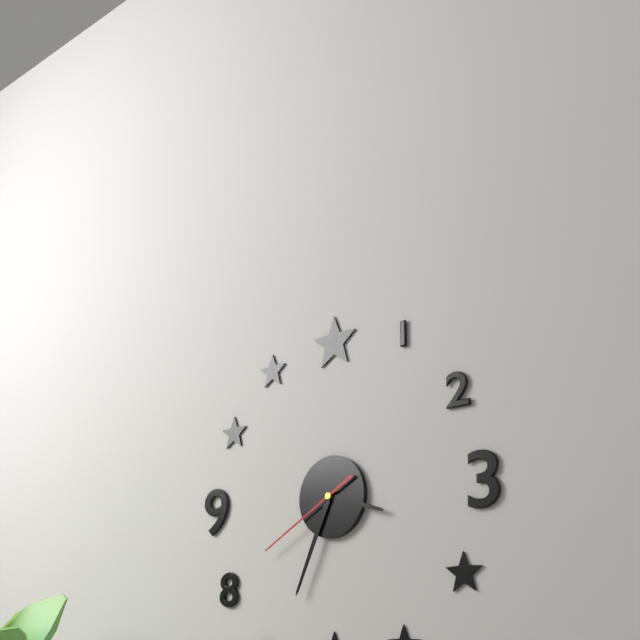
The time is **3:34:40**
